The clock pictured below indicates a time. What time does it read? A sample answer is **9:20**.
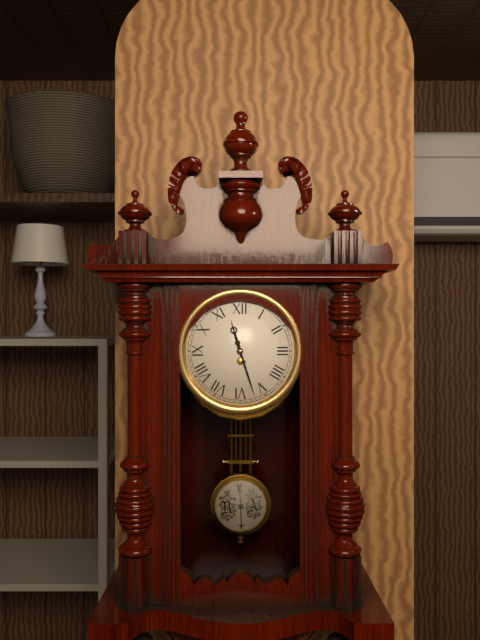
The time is **11:27**
